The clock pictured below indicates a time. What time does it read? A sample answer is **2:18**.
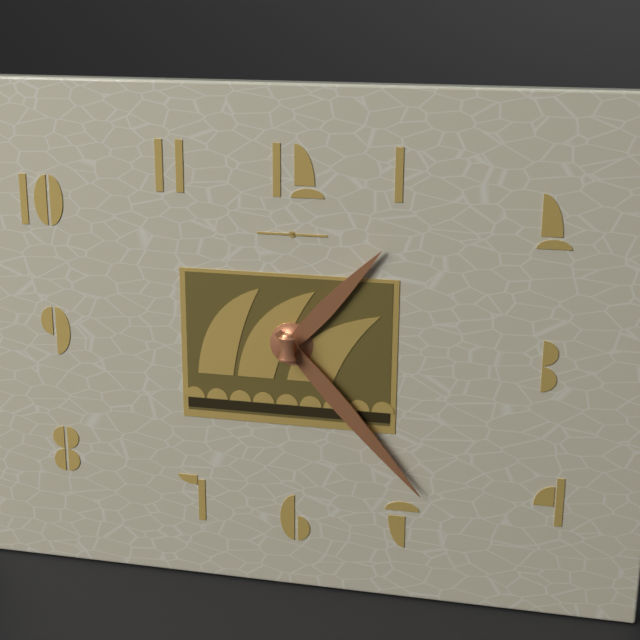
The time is **1:23**
